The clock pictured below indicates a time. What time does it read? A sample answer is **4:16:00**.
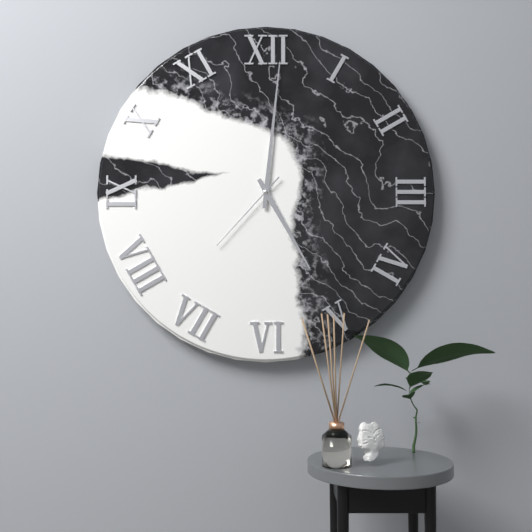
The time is **5:01:37**
